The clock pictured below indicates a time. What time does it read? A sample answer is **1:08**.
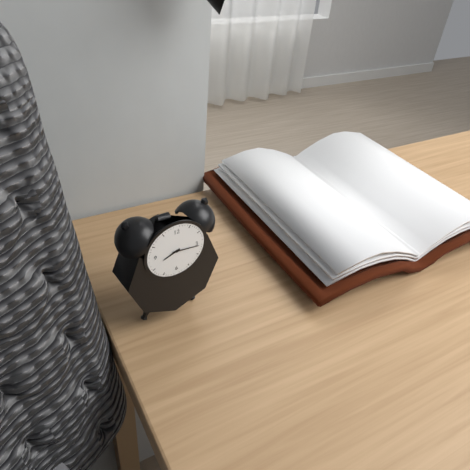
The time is **8:16**
